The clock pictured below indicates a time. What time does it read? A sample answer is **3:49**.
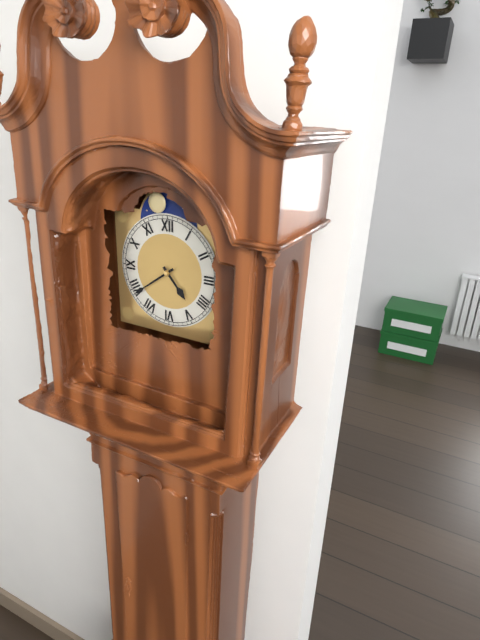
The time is **4:39**
